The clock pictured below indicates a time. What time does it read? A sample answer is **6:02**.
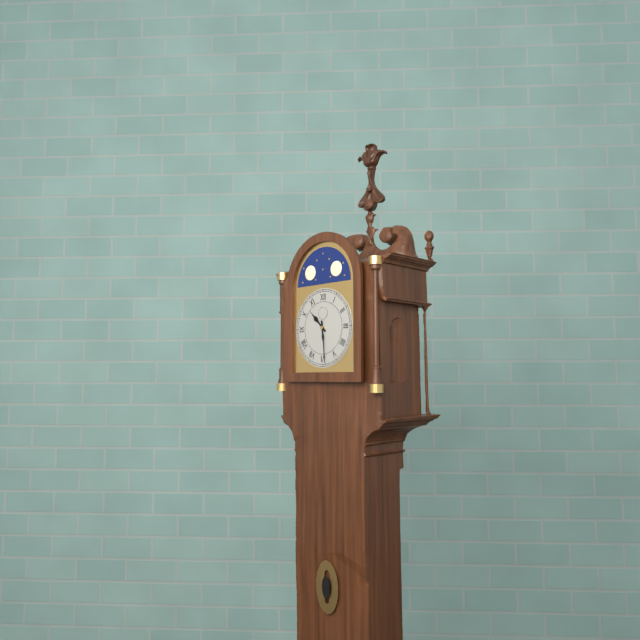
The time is **10:29**
